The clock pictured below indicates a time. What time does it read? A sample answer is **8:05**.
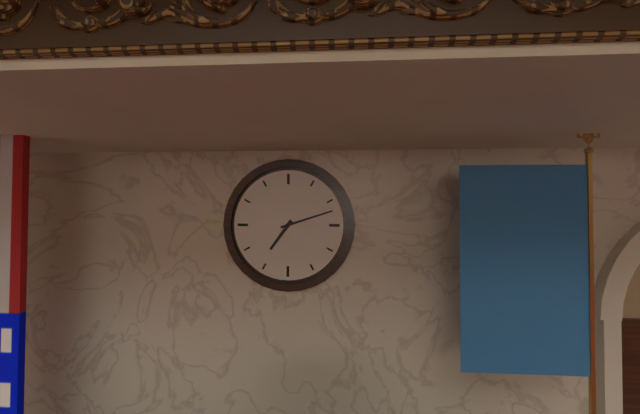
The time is **7:12**
